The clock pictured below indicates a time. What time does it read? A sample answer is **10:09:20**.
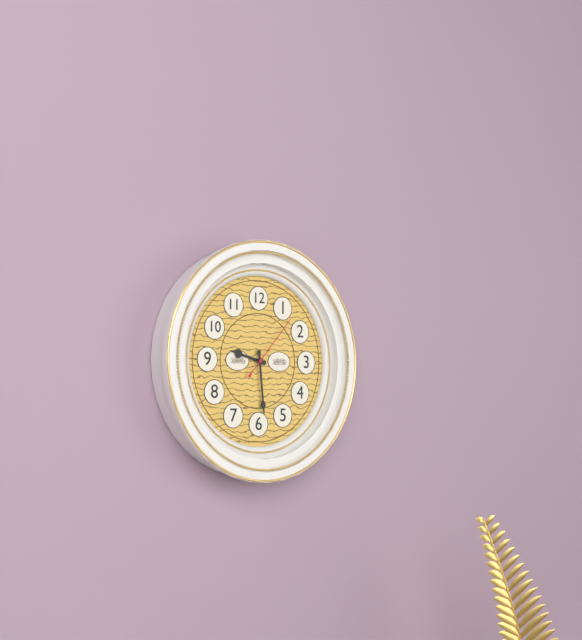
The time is **9:29:07**
